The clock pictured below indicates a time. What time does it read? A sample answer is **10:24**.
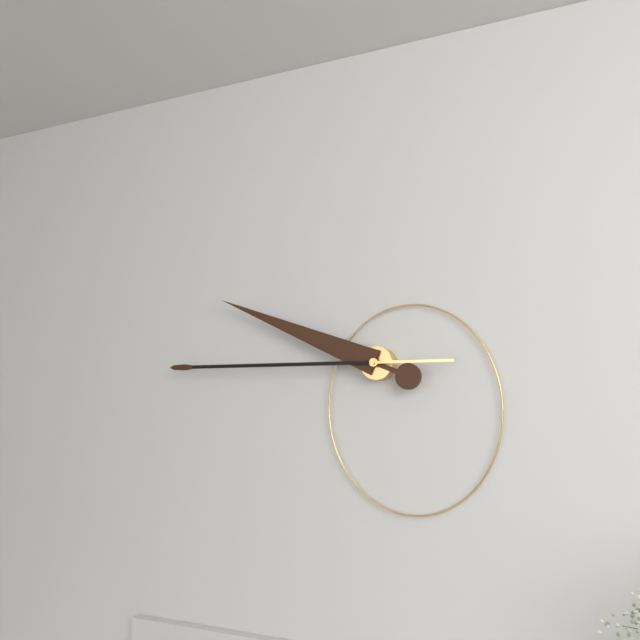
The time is **9:45**
